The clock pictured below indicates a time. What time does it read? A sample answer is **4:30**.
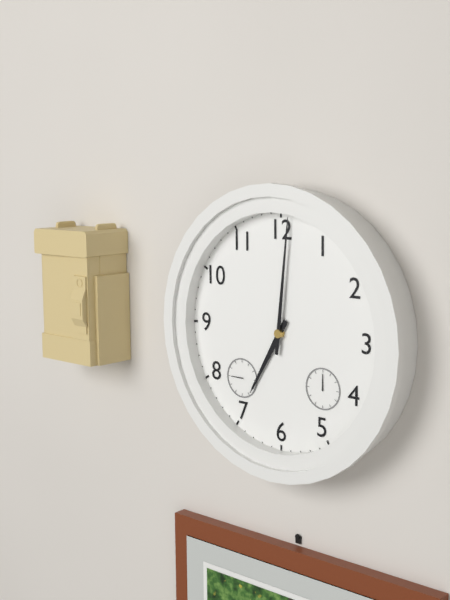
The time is **7:01**
